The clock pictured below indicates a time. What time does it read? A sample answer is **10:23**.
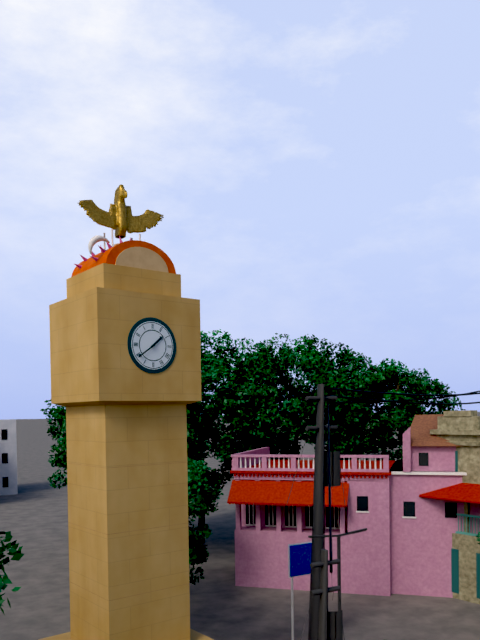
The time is **1:39**
